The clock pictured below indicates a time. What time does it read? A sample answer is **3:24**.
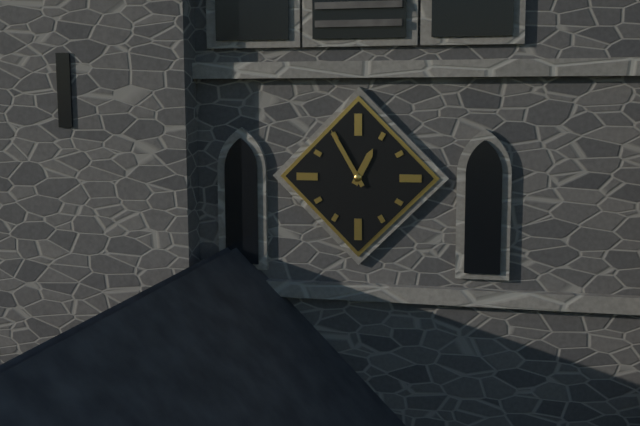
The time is **12:55**
